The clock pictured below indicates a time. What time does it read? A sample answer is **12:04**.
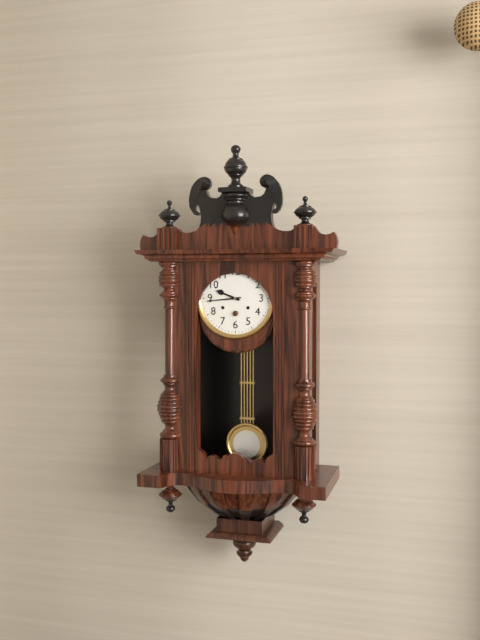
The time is **9:44**
